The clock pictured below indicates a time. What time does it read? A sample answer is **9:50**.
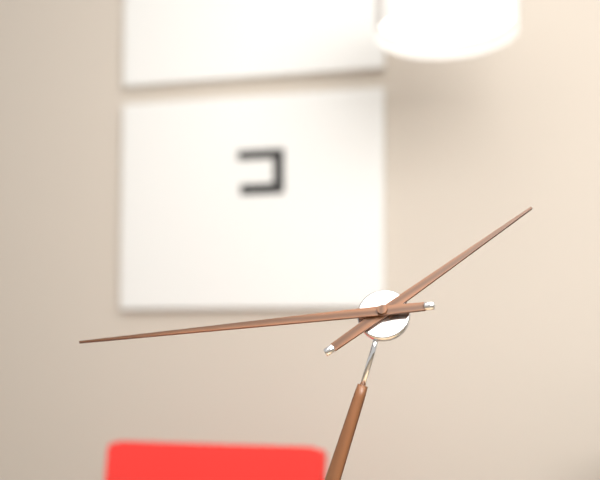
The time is **1:44**
